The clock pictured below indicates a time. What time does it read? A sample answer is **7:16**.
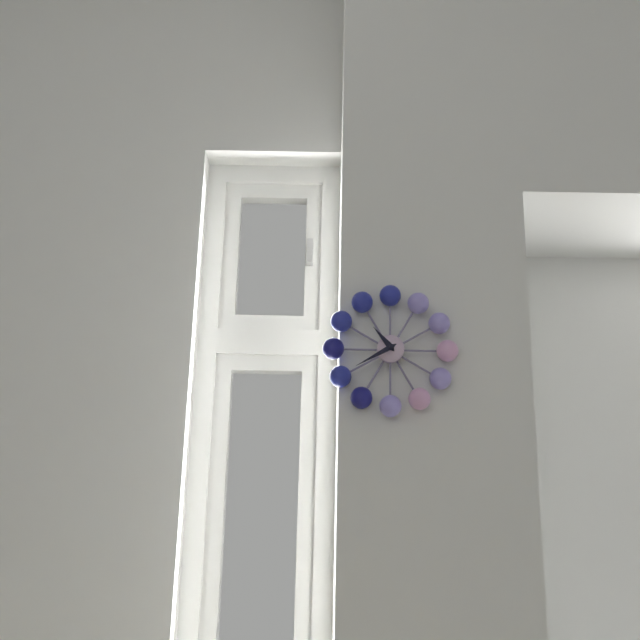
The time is **10:40**
